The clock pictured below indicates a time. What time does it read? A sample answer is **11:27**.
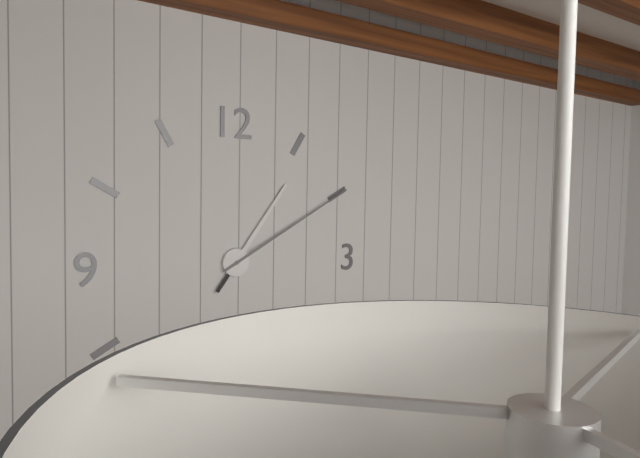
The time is **1:10**
